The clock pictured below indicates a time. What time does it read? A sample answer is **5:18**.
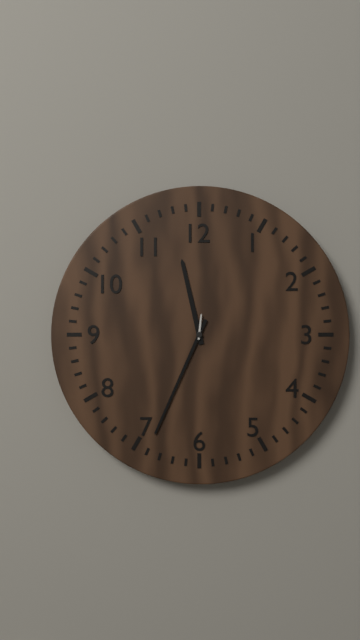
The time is **11:34**
